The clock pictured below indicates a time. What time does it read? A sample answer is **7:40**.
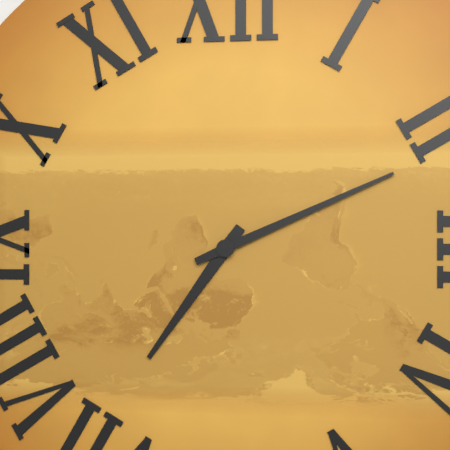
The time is **7:11**
